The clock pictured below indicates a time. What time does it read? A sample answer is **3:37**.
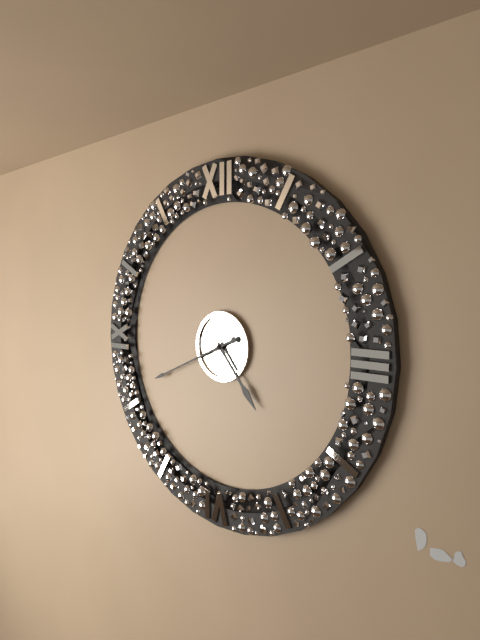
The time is **4:41**
